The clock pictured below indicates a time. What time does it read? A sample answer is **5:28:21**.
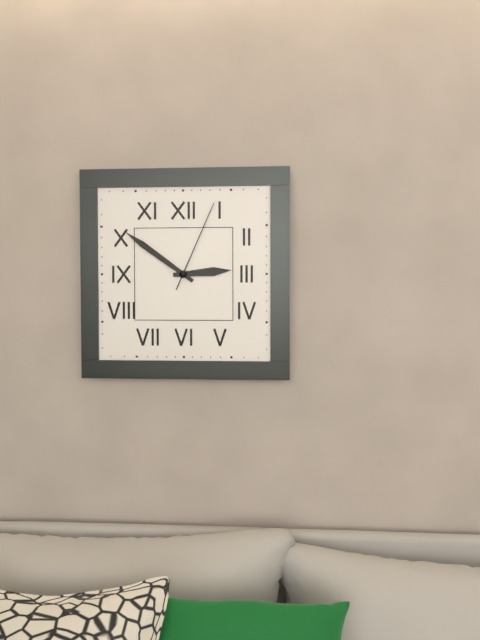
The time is **2:51:04**
